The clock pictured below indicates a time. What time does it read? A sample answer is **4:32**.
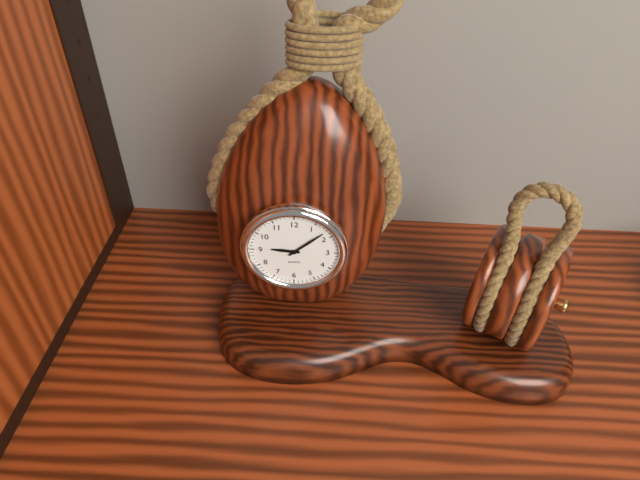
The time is **9:08**
